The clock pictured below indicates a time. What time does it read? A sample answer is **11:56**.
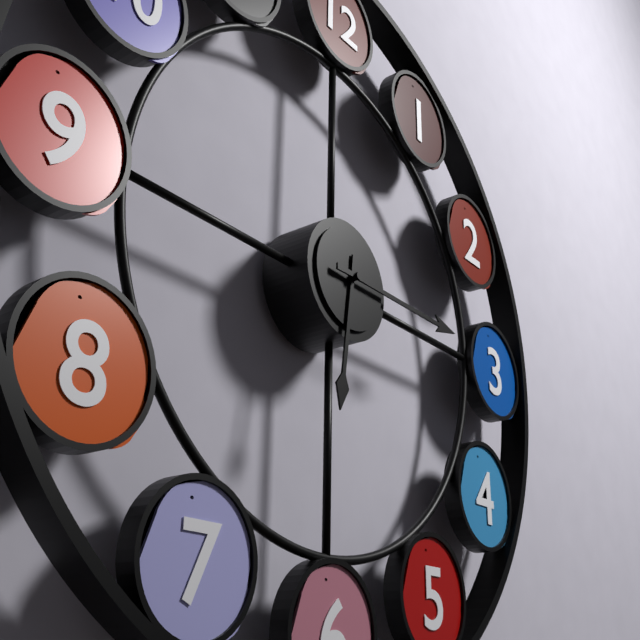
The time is **6:15**
